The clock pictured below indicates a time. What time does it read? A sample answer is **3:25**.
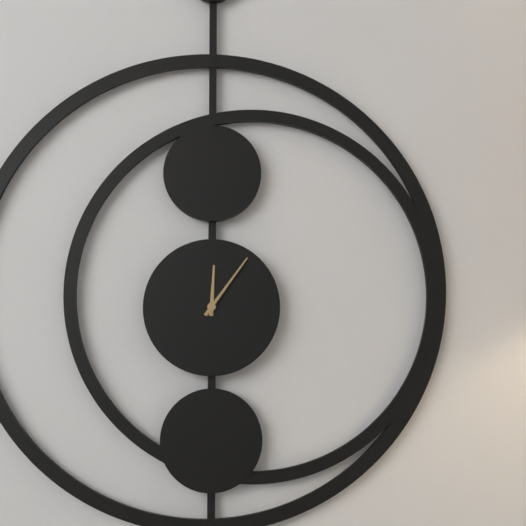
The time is **12:06**
